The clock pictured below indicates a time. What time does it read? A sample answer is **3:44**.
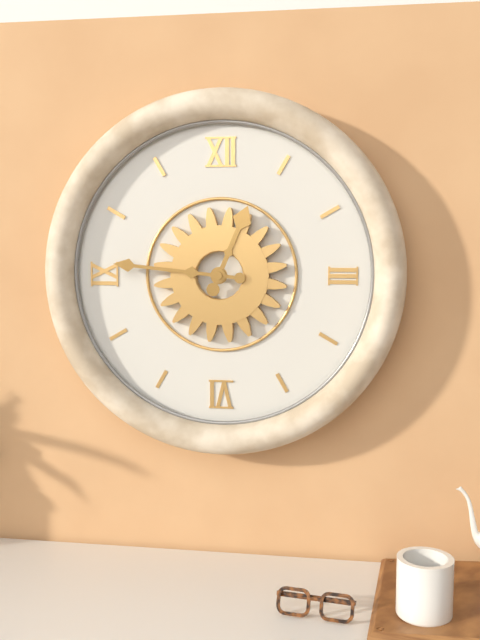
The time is **12:46**
